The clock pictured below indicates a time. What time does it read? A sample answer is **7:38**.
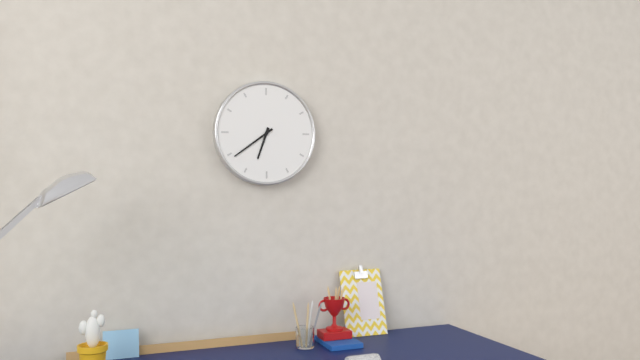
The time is **6:39**
